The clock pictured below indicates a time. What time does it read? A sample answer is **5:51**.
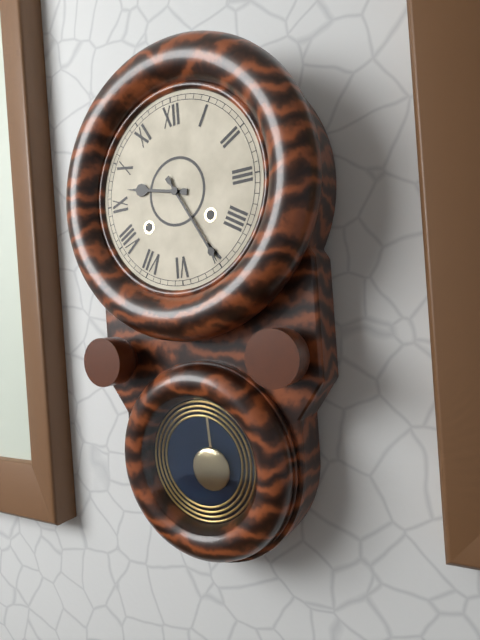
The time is **9:25**
